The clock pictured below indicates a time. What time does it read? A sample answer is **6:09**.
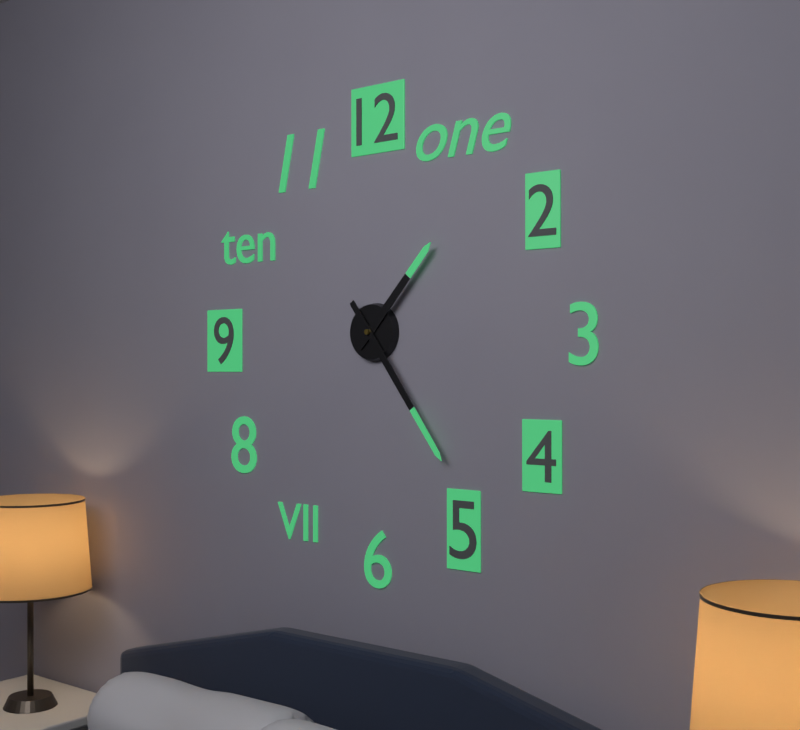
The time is **1:24**
